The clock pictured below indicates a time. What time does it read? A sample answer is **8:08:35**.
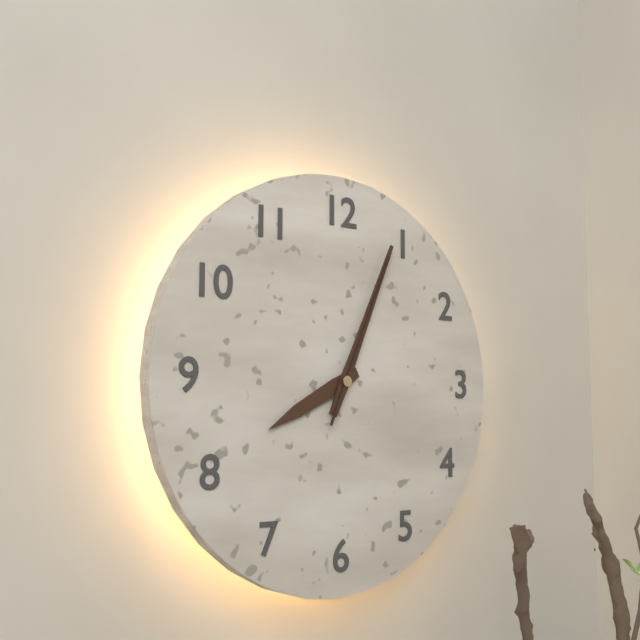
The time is **8:04:04**
